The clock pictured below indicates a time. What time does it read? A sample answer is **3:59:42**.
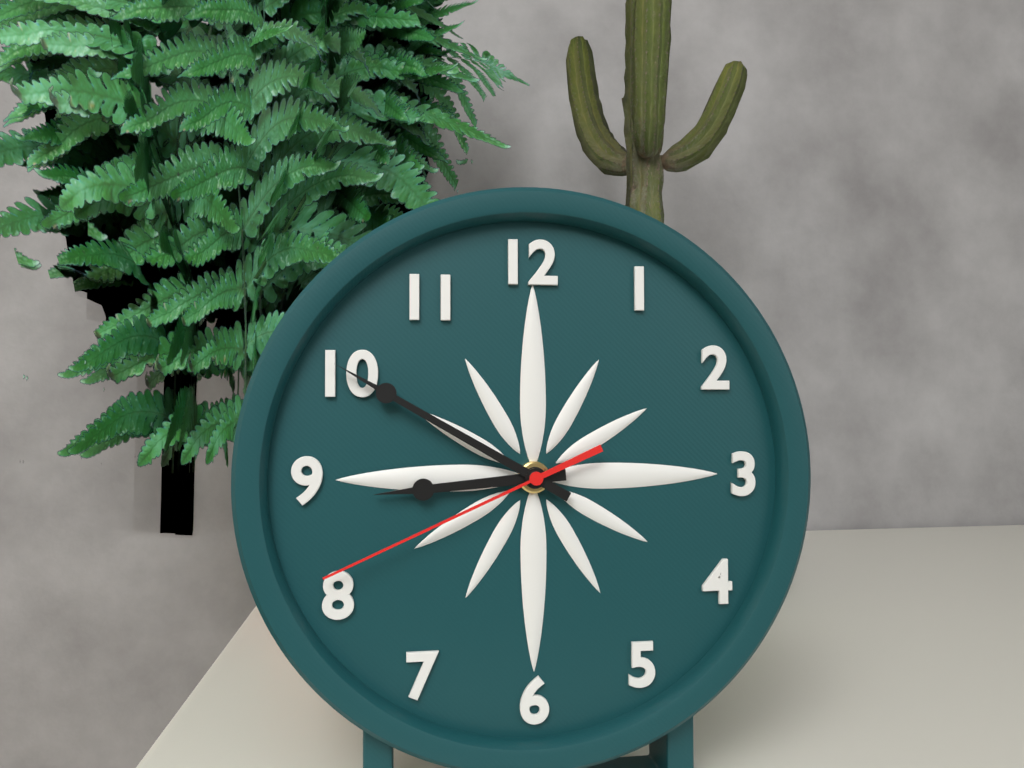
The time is **8:50:41**
